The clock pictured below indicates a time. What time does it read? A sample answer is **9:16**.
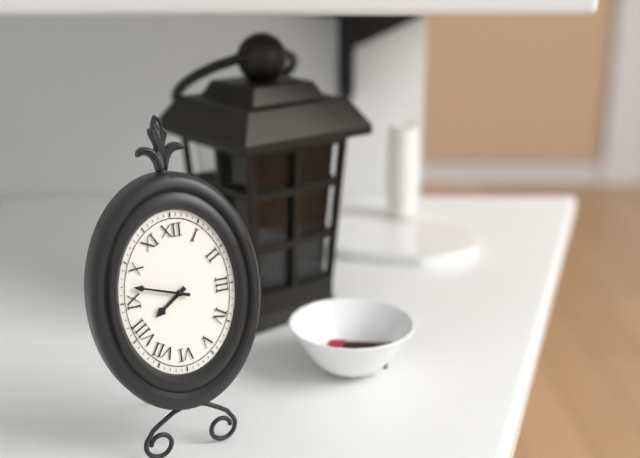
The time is **7:48**
